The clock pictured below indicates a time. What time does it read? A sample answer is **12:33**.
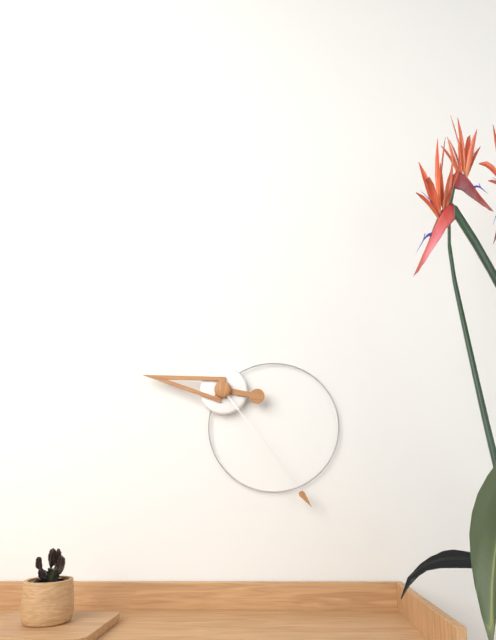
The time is **9:24**
